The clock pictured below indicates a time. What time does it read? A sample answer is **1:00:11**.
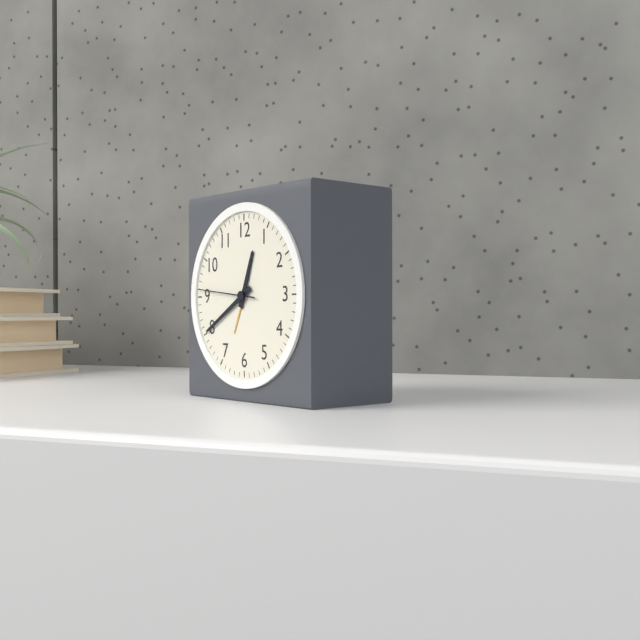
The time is **12:40:46**
